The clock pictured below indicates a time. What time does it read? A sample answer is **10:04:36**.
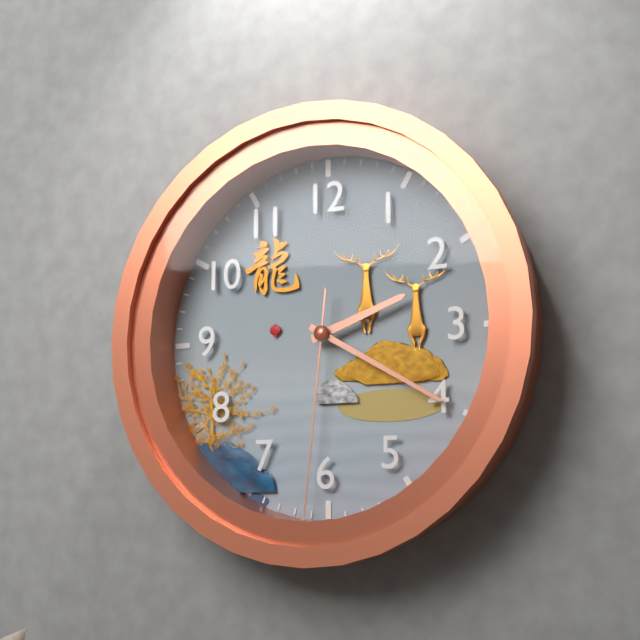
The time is **2:20:31**
